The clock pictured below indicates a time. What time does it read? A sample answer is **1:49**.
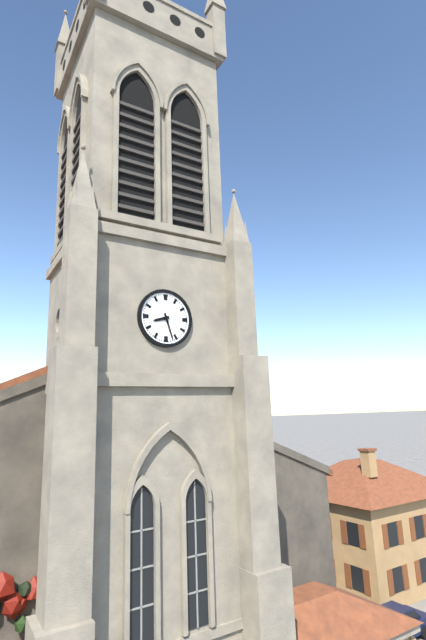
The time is **8:27**
